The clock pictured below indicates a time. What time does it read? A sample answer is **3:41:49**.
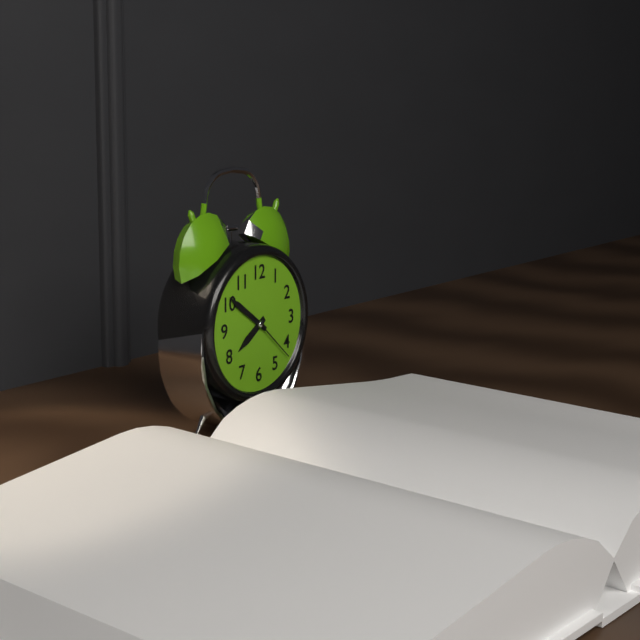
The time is **7:51:22**
